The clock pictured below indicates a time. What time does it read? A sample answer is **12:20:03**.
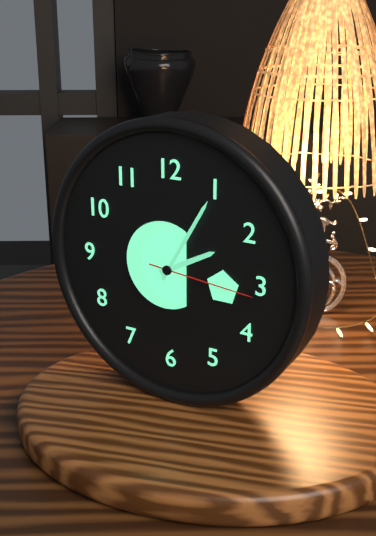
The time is **2:05:16**
